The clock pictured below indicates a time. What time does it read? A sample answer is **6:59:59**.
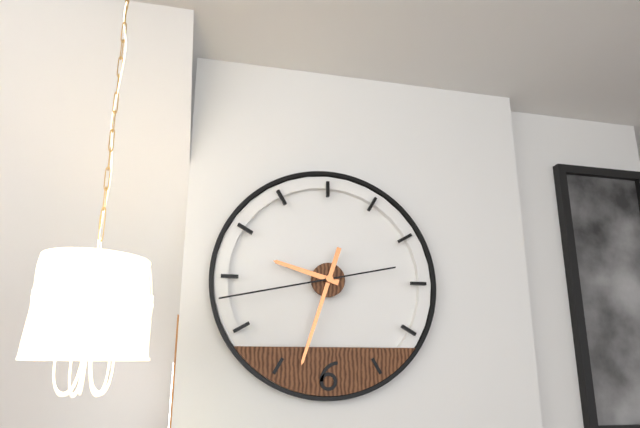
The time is **9:33:43**
